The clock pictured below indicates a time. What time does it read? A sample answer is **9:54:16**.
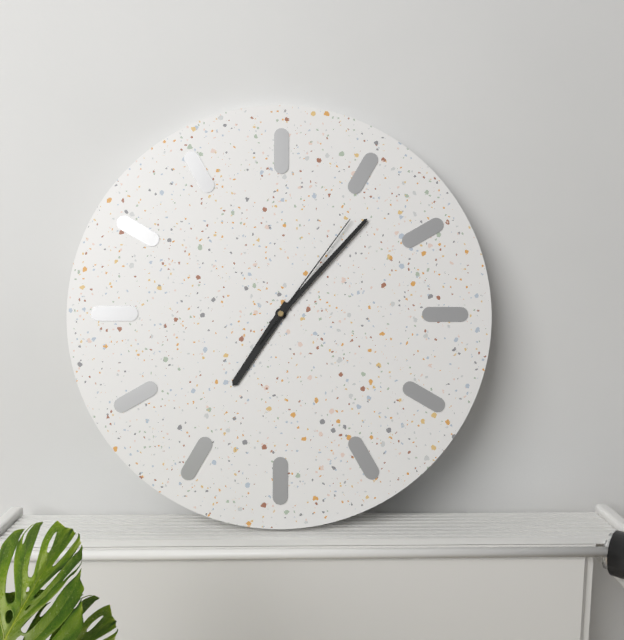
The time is **7:07:06**
